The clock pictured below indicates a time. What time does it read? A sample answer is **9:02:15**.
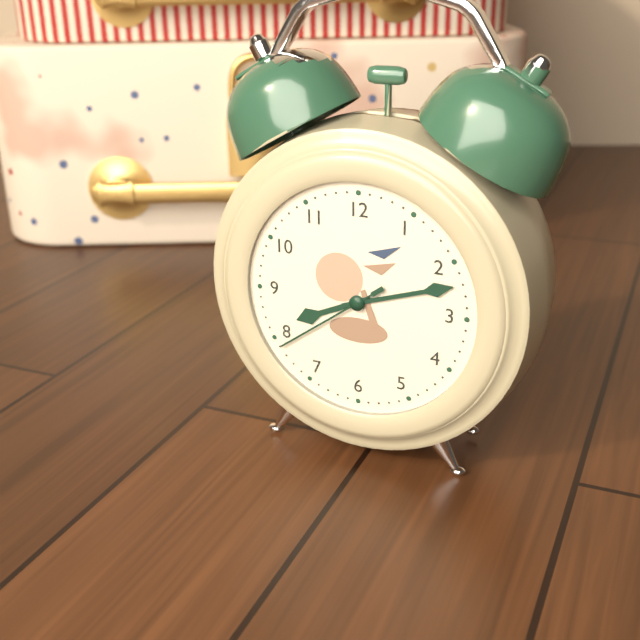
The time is **8:12:39**
